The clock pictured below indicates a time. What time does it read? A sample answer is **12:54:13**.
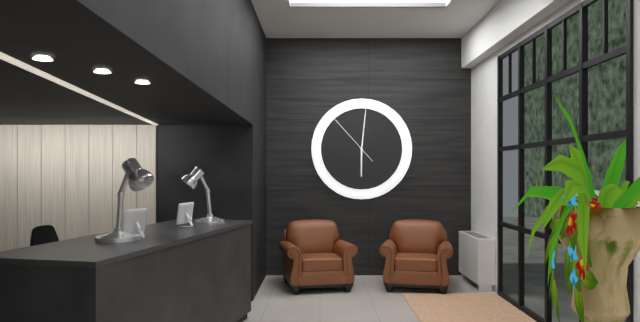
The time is **6:01:53**
